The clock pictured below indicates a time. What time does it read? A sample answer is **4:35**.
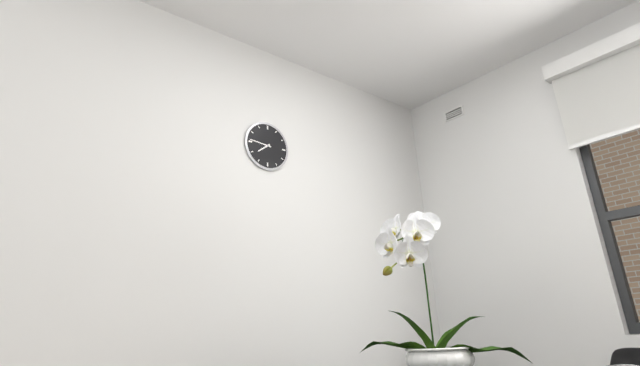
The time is **7:46**
